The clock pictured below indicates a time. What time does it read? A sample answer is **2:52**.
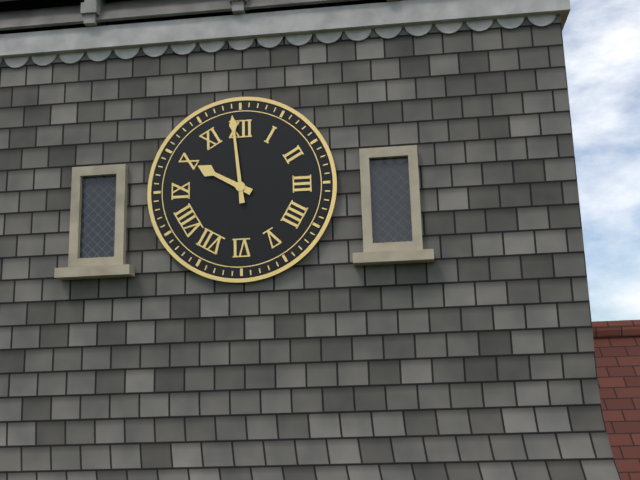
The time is **9:59**
